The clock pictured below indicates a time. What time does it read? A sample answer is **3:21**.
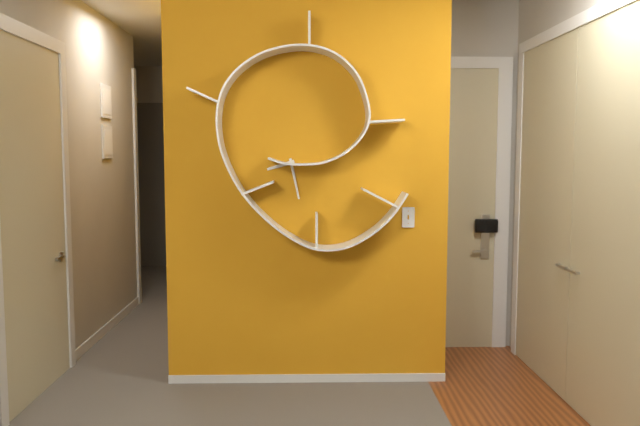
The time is **8:28**
